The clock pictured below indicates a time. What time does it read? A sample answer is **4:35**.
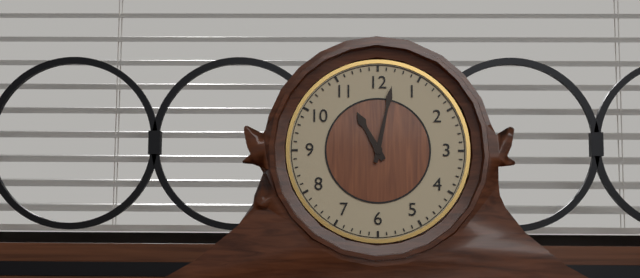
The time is **11:02**
